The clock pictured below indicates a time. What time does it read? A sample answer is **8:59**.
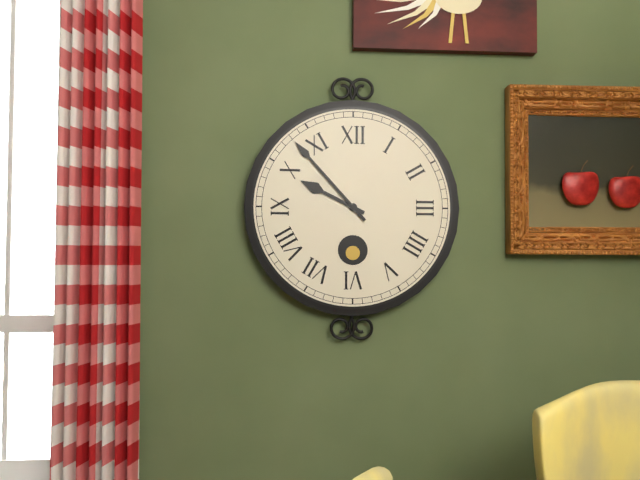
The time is **9:53**
